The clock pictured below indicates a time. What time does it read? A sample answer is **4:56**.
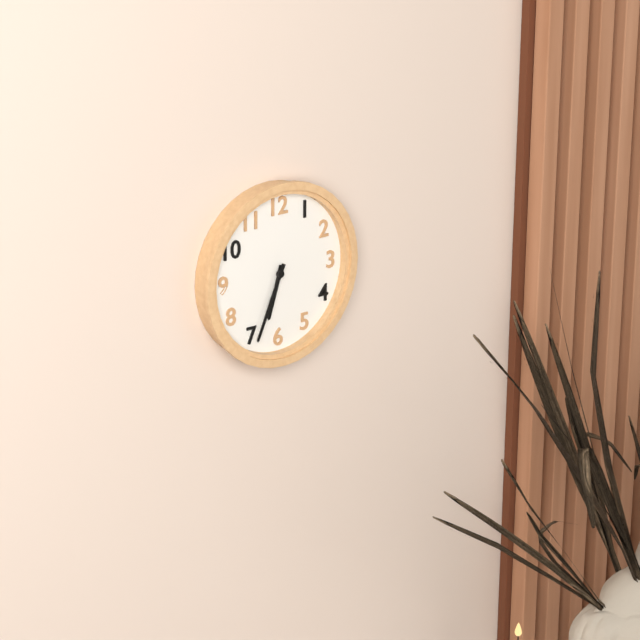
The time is **6:34**
